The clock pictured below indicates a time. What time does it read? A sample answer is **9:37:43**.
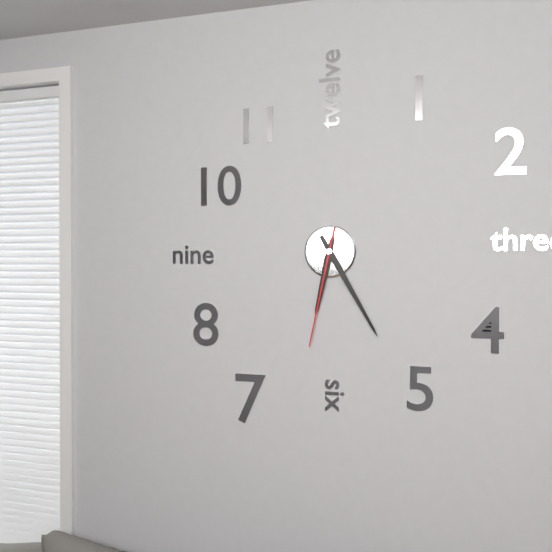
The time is **6:25:32**
